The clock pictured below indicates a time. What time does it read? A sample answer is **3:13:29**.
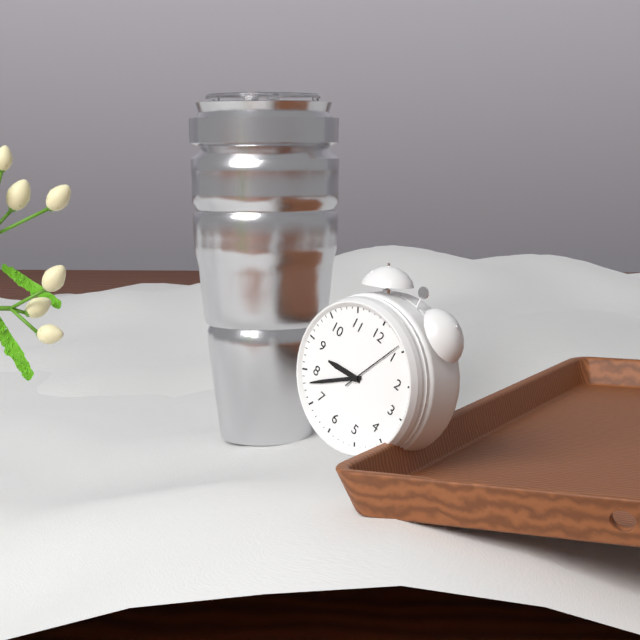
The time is **8:38:04**
